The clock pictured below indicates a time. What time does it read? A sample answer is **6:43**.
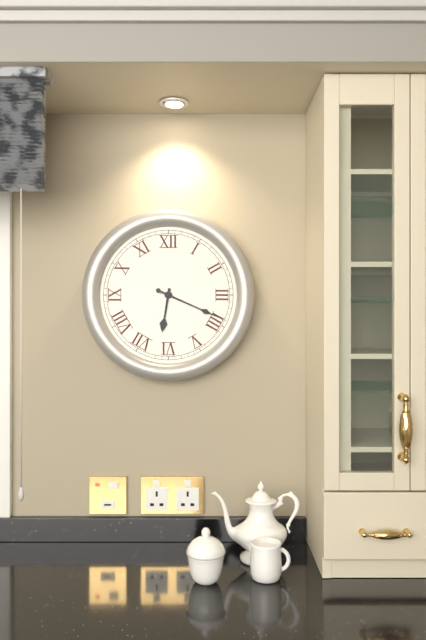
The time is **6:19**
